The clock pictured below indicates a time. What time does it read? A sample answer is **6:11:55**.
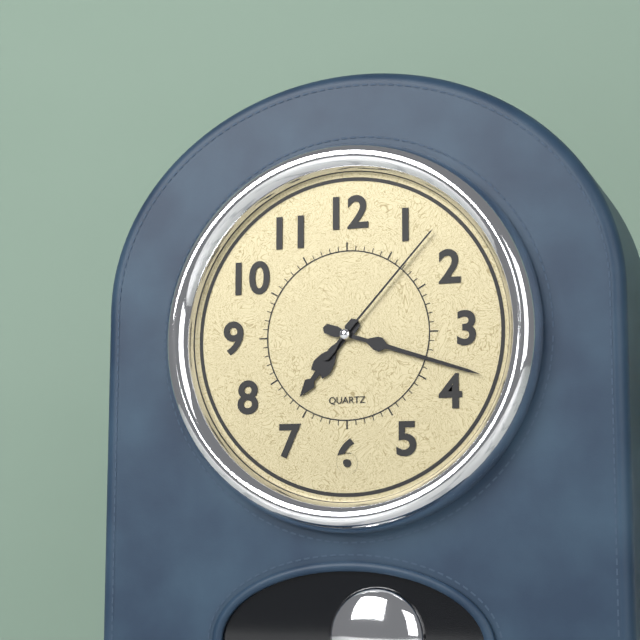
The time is **7:18:07**
